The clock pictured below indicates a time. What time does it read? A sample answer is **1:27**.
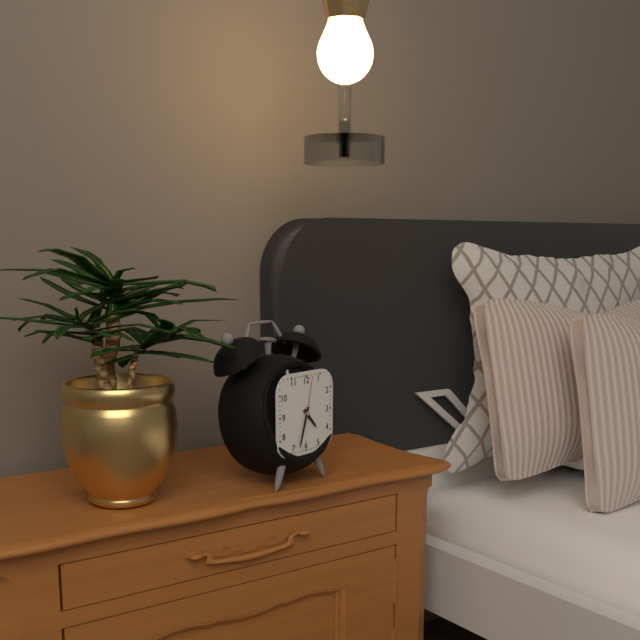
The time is **4:33**
